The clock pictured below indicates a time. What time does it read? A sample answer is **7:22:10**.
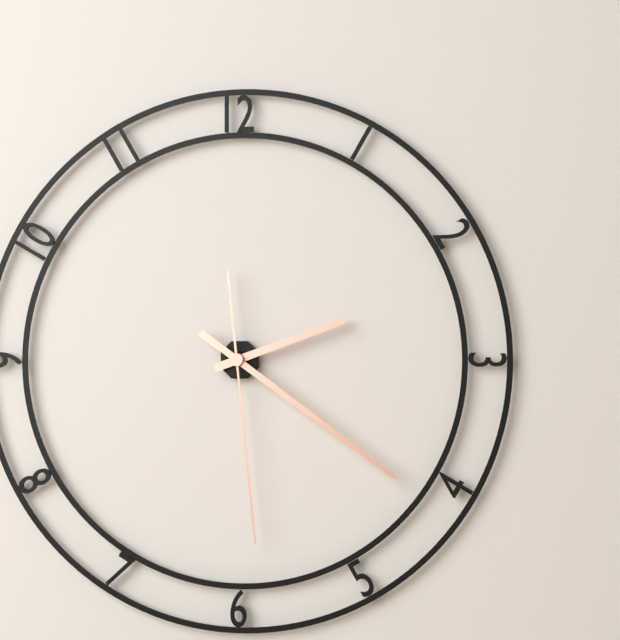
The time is **2:21:29**
